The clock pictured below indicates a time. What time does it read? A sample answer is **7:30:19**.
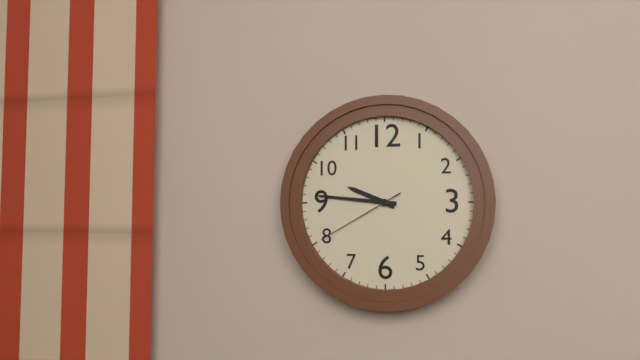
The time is **9:46:40**
